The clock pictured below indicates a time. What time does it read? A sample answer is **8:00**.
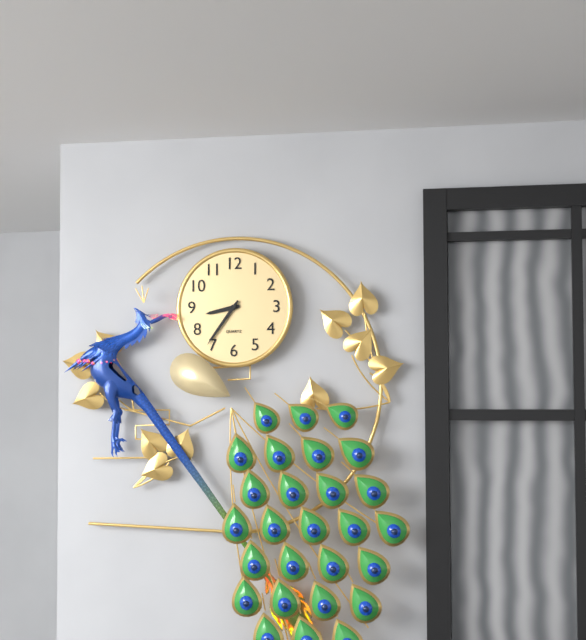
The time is **8:36**
